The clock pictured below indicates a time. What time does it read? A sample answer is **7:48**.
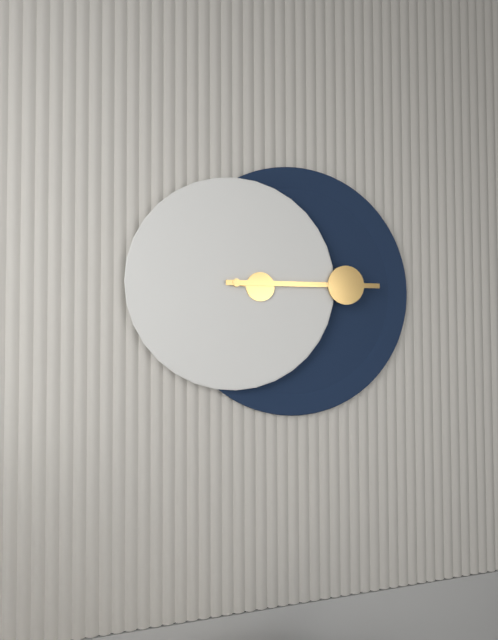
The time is **3:15**
